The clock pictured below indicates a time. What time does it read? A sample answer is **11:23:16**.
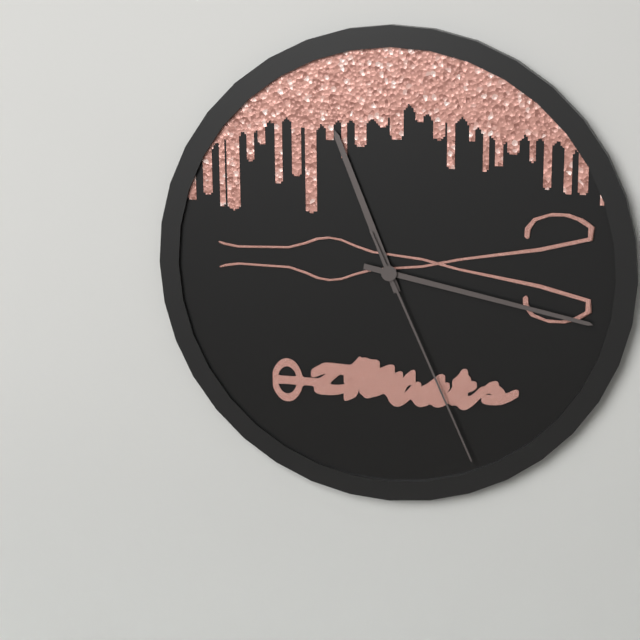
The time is **11:17:26**
